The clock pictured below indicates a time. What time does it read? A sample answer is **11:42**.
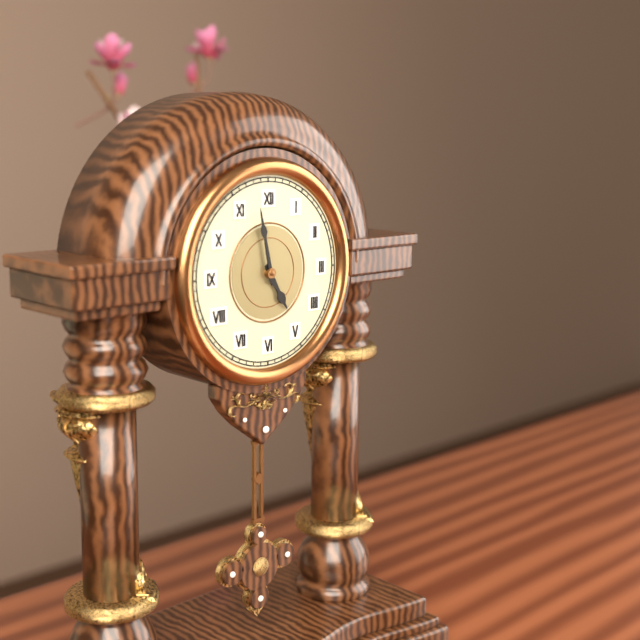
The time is **4:58**
